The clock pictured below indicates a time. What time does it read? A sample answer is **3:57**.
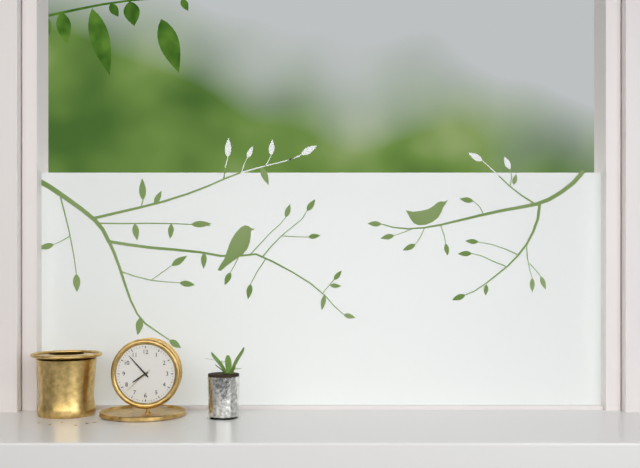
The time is **7:53**
